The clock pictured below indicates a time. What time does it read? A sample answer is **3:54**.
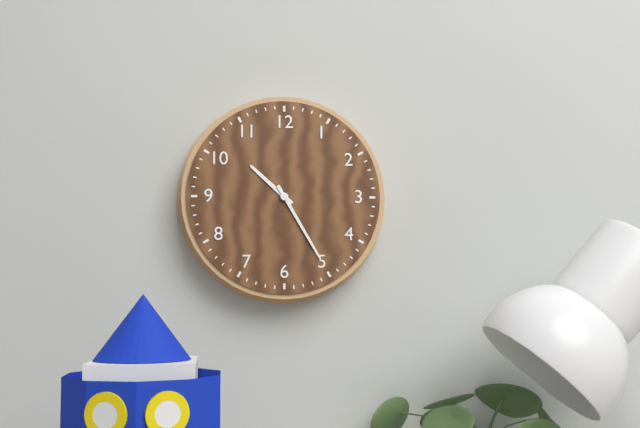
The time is **10:25**
